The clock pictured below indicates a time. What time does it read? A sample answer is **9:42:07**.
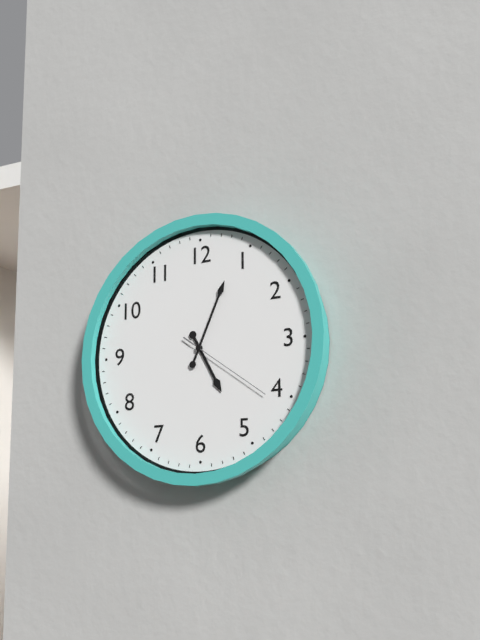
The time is **5:04:21**
